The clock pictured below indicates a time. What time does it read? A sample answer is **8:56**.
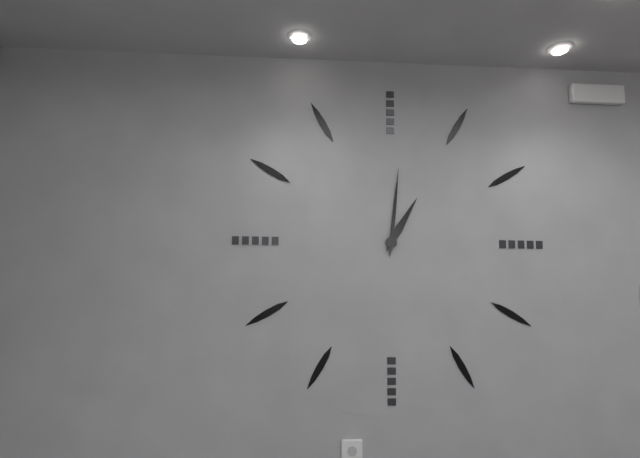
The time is **1:01**
